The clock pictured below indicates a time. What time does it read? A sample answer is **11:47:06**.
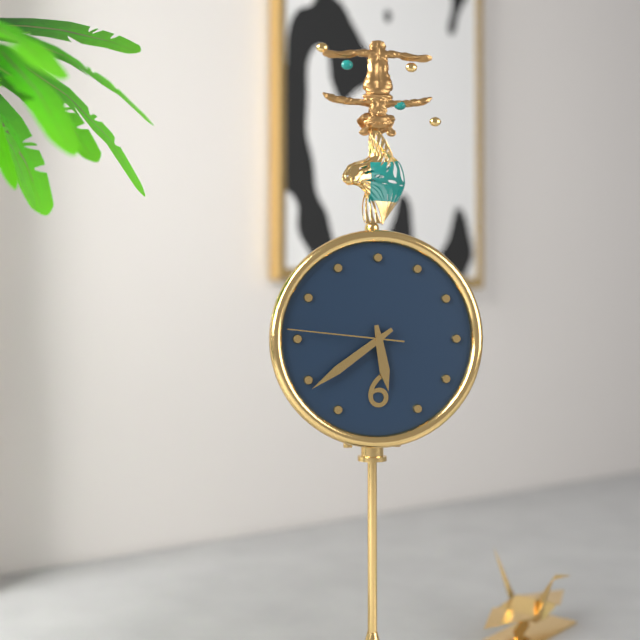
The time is **5:39:46**
